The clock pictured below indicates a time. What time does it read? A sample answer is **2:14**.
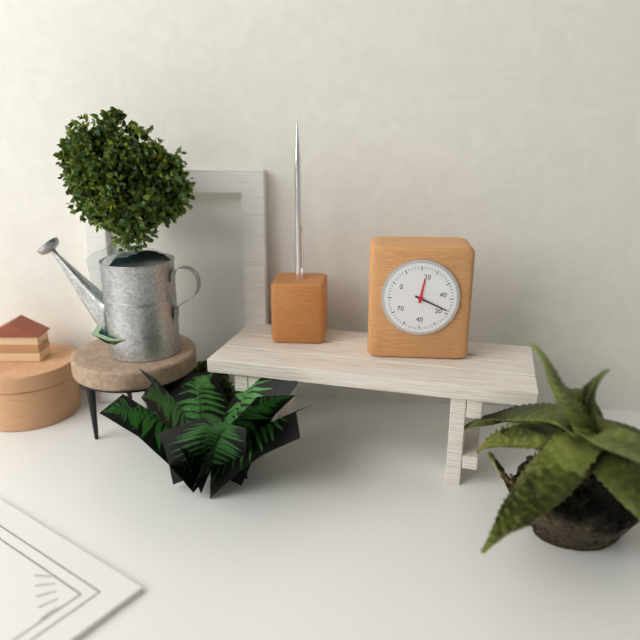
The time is **12:19**
